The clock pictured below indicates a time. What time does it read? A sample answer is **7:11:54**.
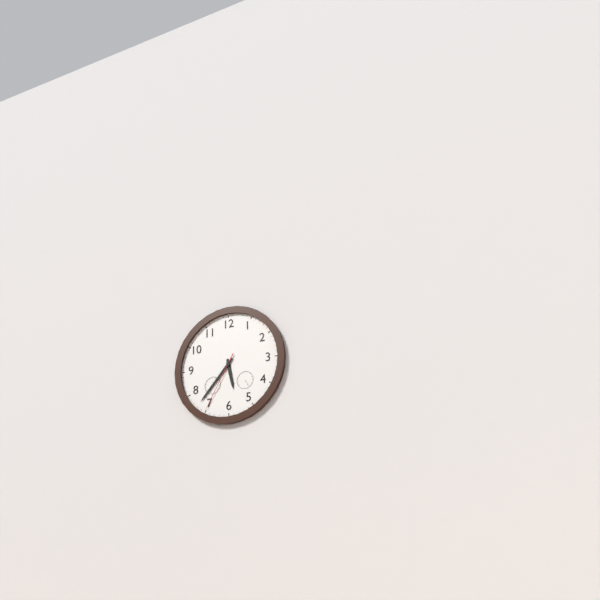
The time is **5:37:35**
